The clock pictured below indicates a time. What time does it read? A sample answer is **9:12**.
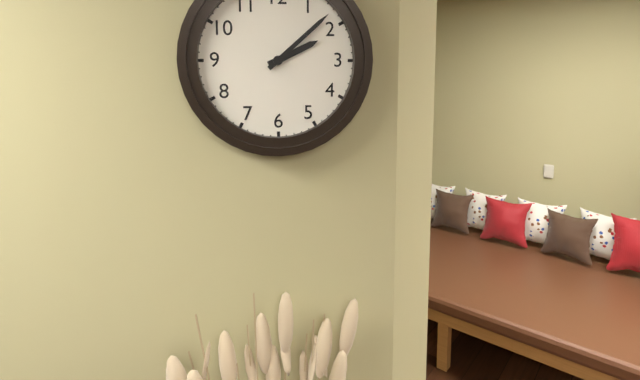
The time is **2:08**
